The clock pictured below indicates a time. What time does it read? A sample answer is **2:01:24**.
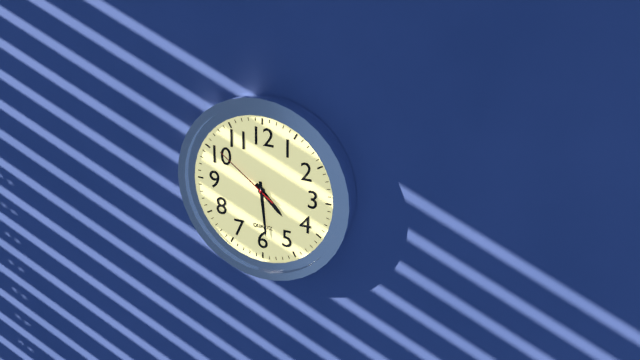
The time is **4:29:51**
